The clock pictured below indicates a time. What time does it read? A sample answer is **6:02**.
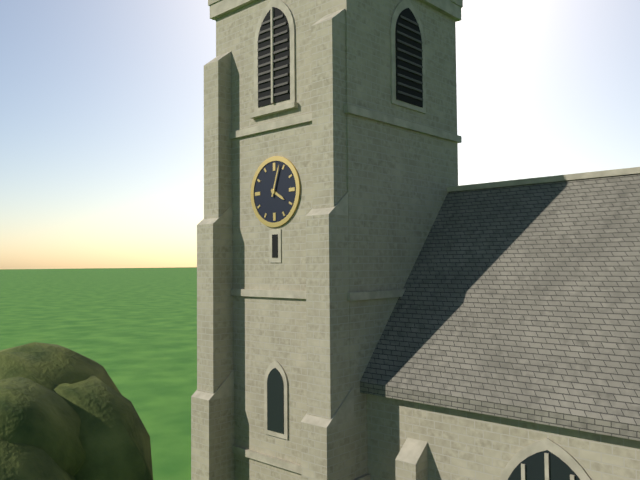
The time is **4:03**
